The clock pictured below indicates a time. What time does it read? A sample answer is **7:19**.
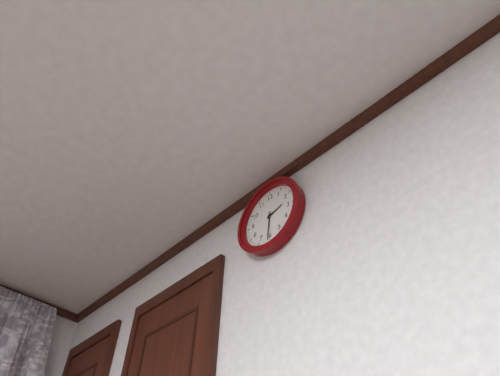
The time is **2:31**
